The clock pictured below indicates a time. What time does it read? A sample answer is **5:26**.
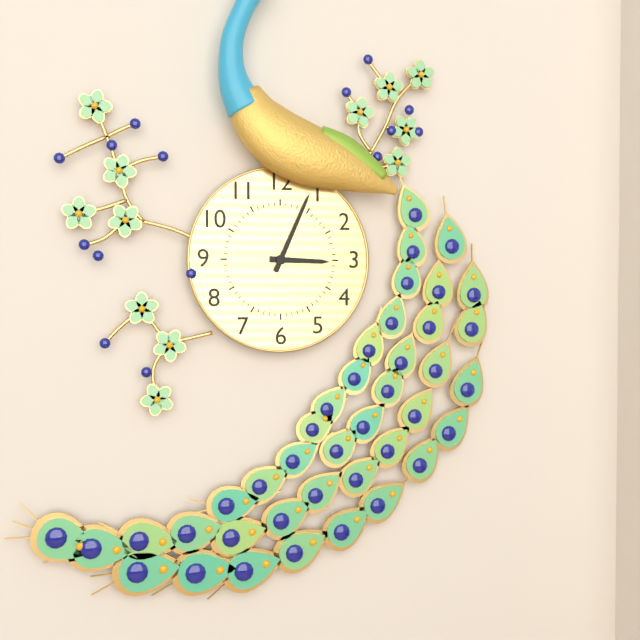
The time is **3:04**
